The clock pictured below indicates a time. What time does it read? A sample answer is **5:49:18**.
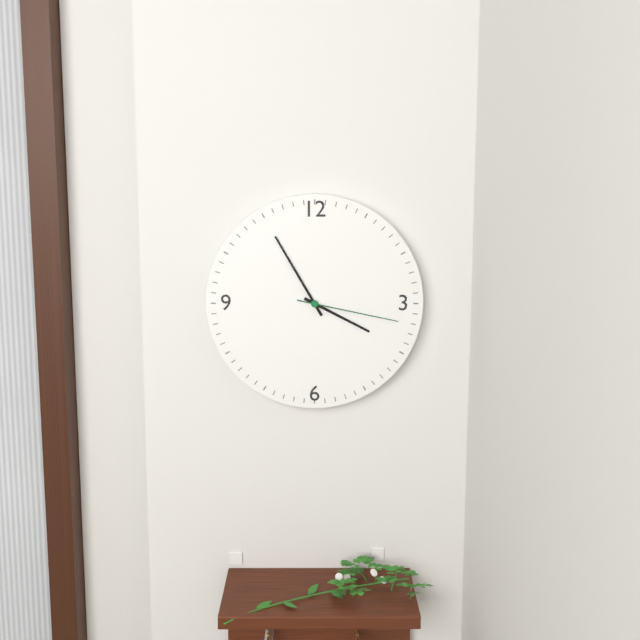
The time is **3:55:17**
